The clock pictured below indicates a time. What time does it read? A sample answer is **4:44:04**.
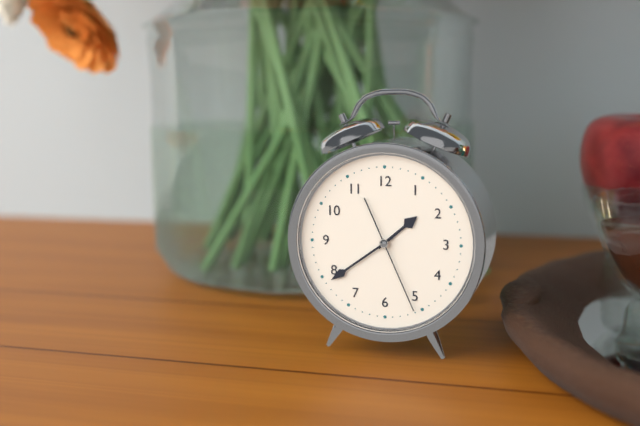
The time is **1:39:26**
